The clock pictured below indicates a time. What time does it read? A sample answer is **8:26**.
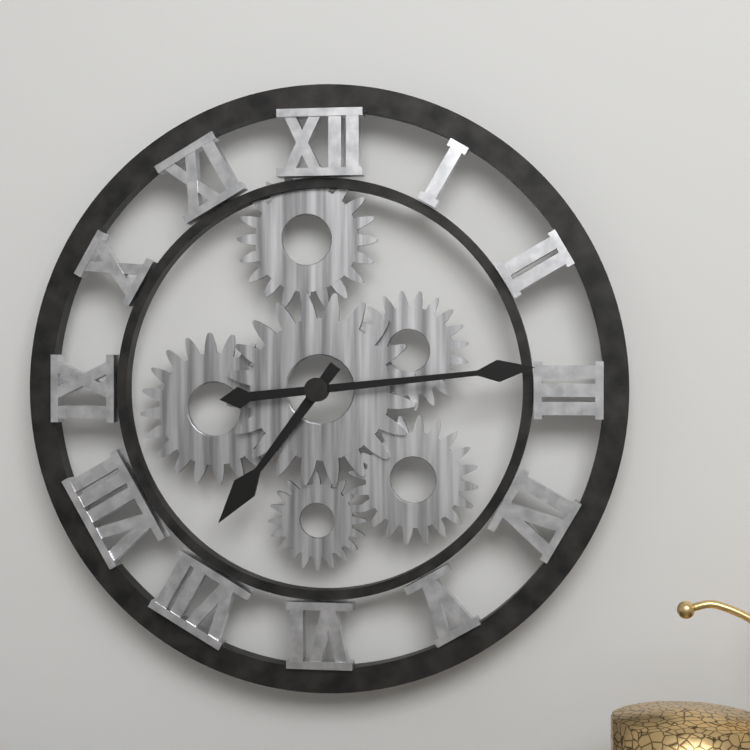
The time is **7:14**
